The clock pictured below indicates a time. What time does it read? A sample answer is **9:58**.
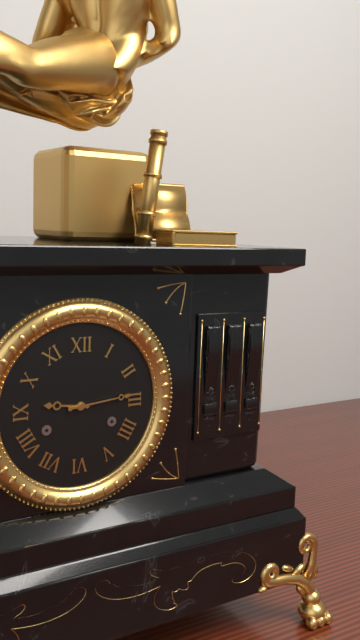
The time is **9:14**
